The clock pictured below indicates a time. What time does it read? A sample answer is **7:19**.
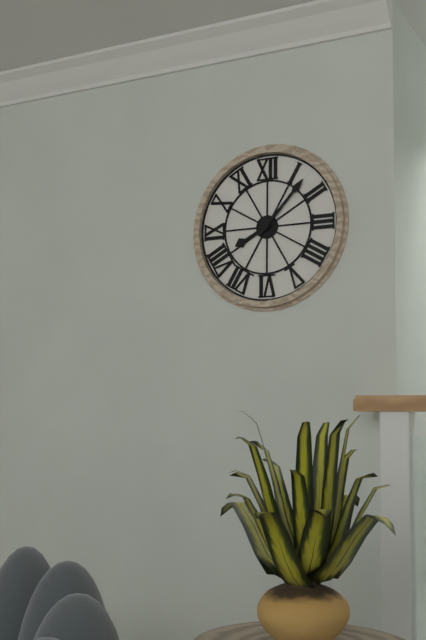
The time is **8:07**
